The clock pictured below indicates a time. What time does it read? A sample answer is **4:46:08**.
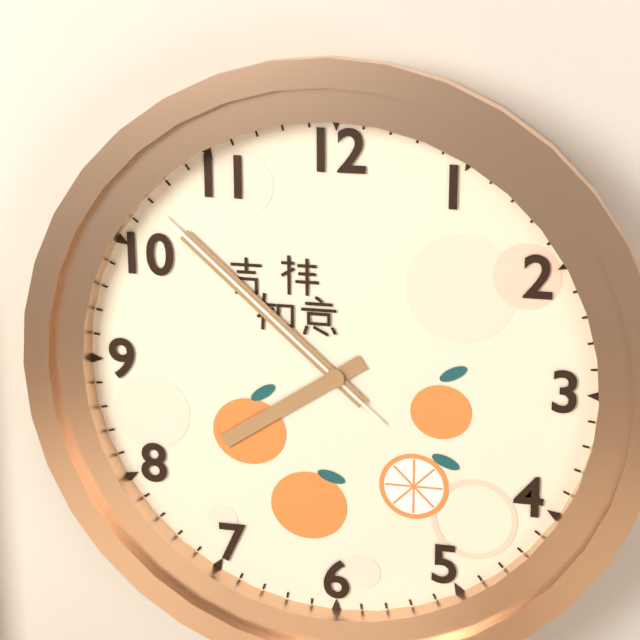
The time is **7:52:52**
